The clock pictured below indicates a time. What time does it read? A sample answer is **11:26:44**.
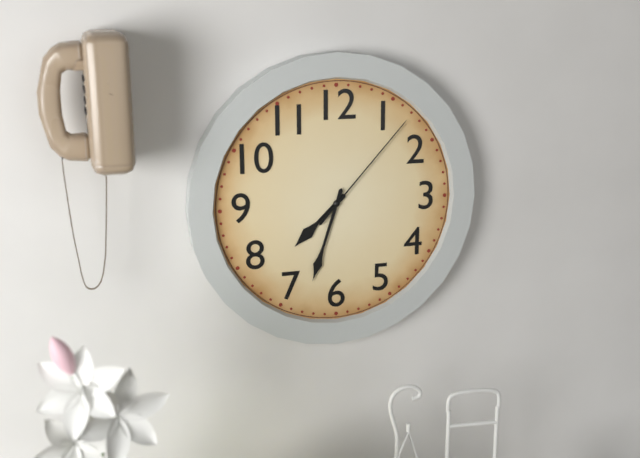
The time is **7:33:07**
